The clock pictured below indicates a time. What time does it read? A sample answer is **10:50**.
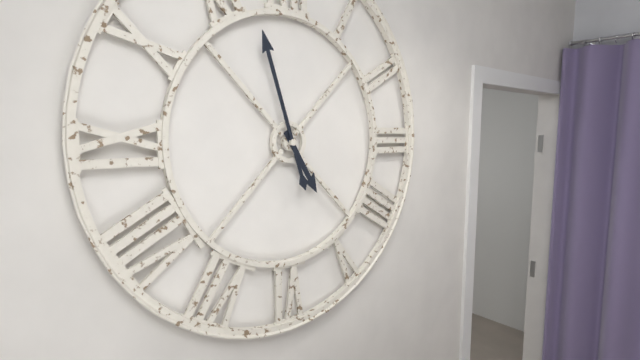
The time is **4:57**
